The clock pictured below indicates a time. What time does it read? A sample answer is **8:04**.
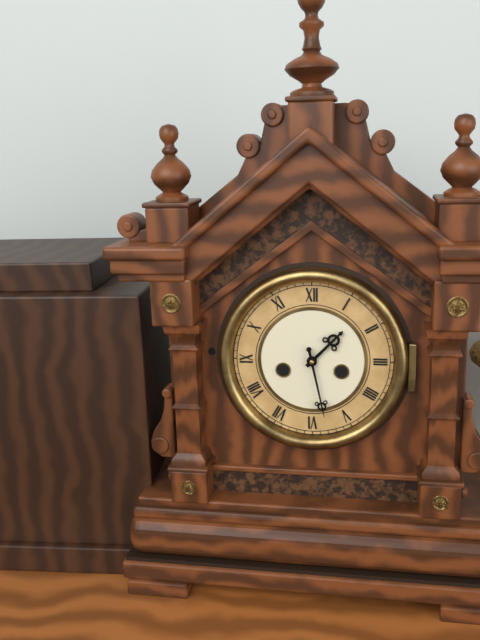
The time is **1:28**
